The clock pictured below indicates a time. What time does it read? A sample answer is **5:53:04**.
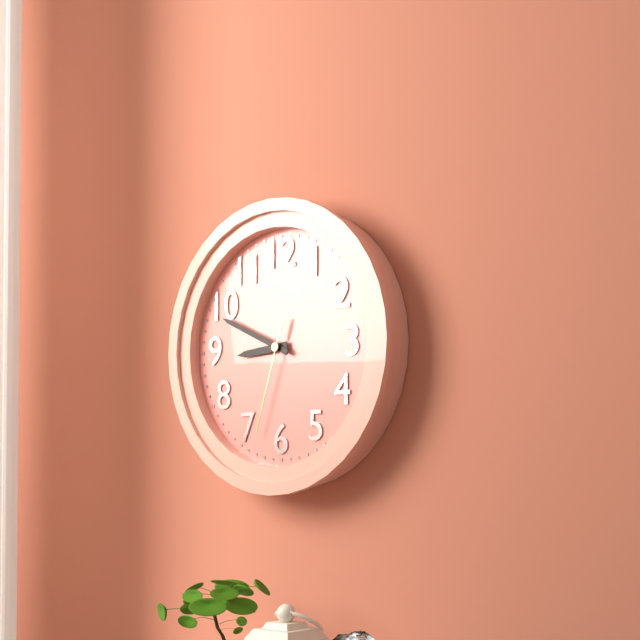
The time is **8:49:33**
